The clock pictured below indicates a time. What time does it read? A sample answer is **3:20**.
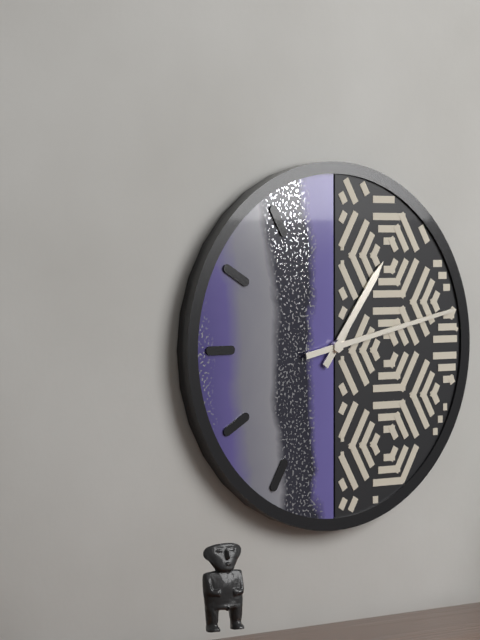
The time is **1:13**
